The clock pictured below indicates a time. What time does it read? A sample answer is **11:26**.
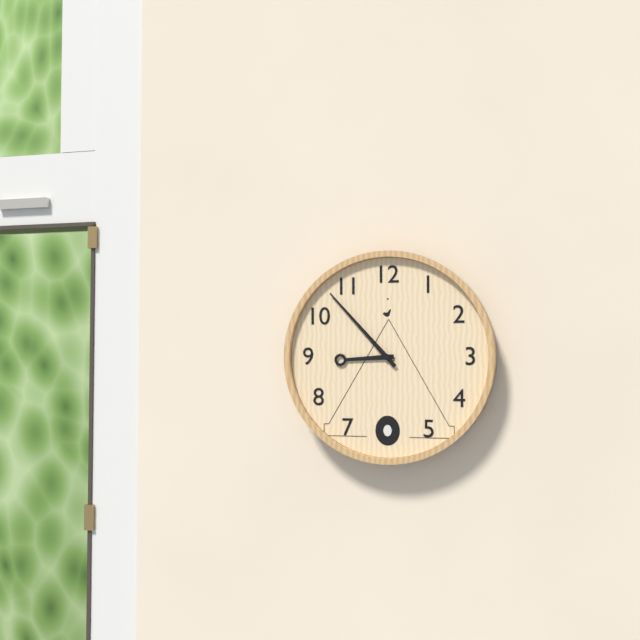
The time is **8:53**
